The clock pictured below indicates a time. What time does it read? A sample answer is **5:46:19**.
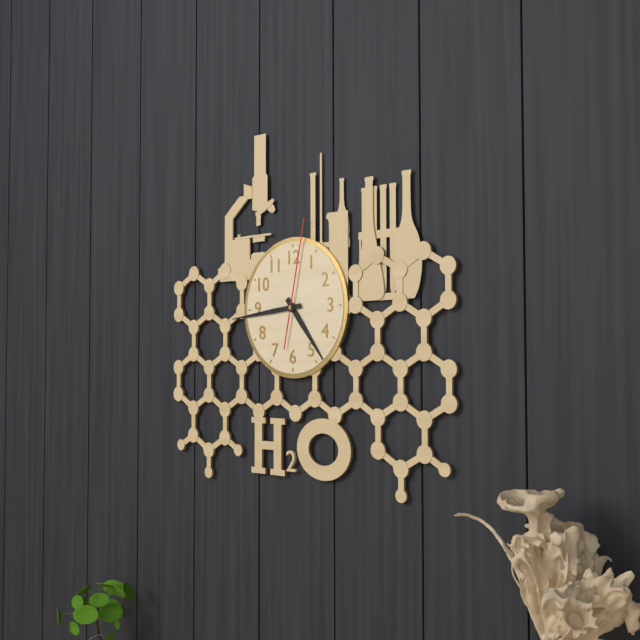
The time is **4:44:02**
